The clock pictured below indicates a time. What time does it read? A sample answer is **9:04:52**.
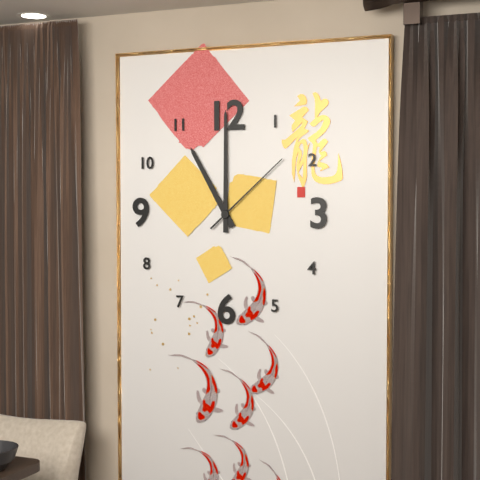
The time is **11:00:08**
